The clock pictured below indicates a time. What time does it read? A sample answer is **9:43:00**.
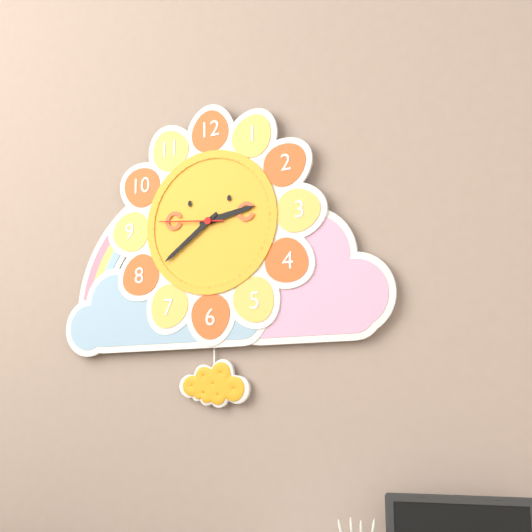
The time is **2:39:46**
